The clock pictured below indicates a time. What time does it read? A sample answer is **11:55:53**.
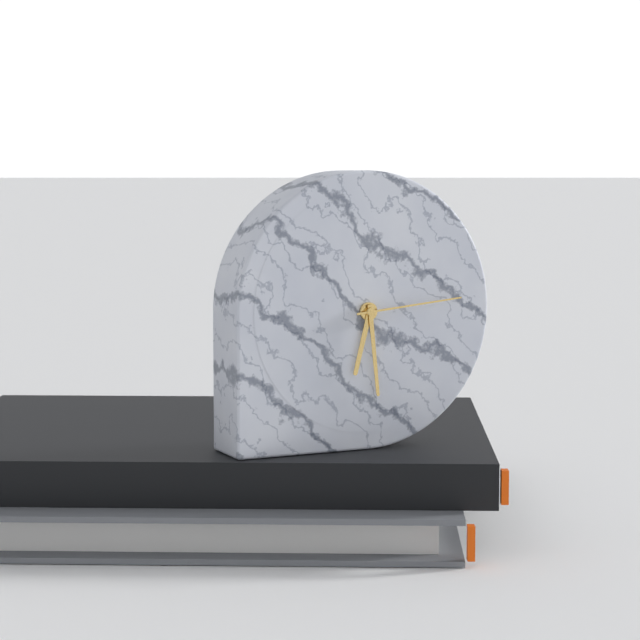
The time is **6:29:14**
